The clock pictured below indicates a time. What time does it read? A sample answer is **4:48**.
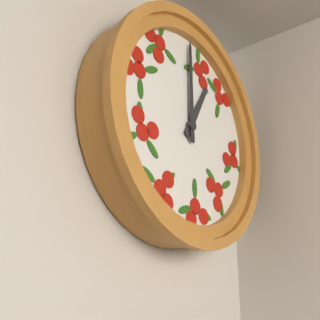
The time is **1:00**
